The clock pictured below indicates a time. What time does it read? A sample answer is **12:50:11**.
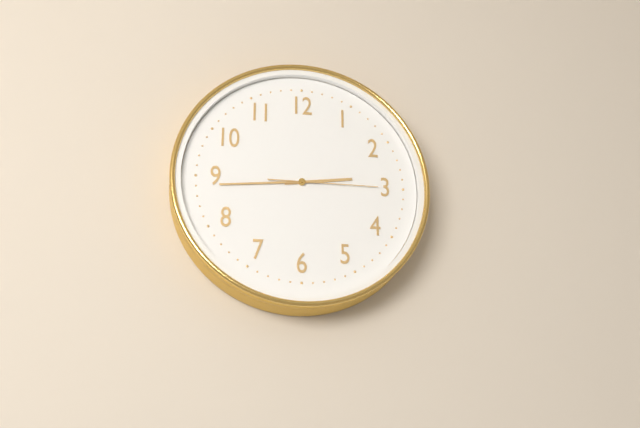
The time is **2:44:15**
